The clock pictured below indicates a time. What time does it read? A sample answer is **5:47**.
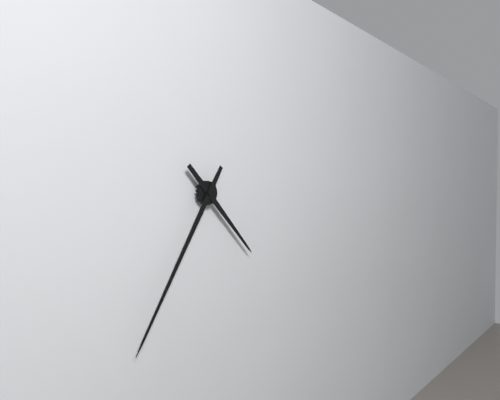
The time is **4:35**
